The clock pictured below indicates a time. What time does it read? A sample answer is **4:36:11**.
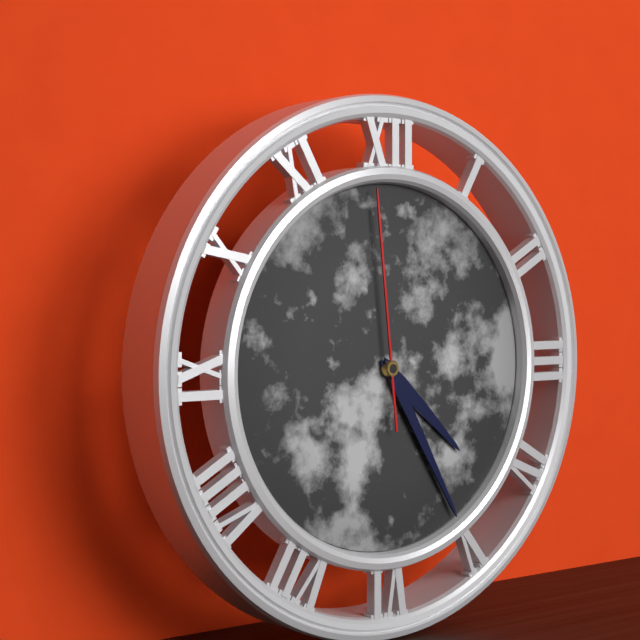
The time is **4:25:59**
